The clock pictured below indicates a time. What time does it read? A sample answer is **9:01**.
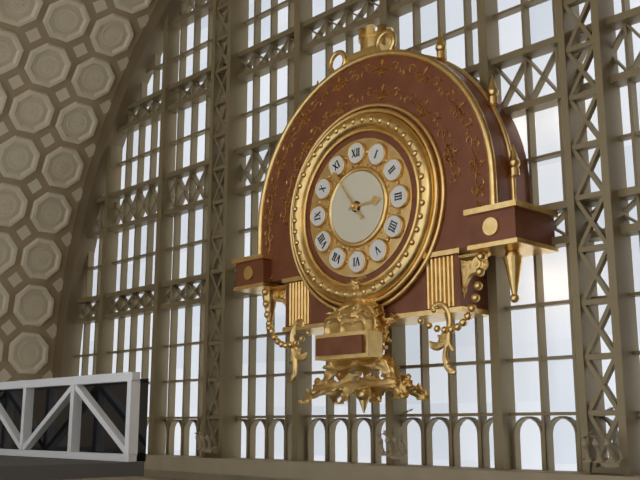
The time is **2:54**
